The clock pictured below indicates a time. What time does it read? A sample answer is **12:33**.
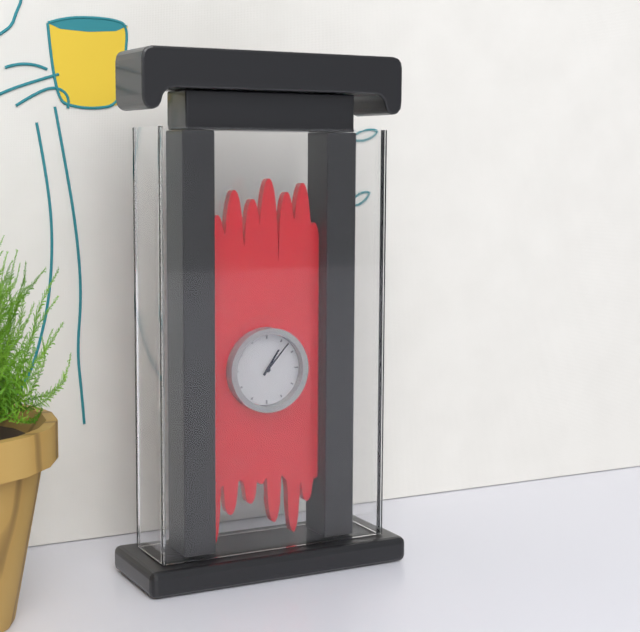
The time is **1:07**
